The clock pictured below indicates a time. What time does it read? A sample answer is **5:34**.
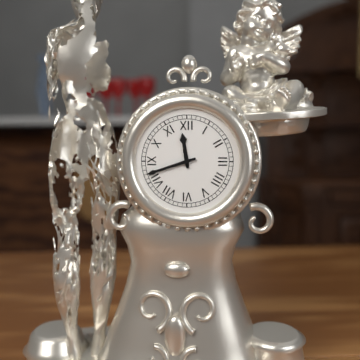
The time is **11:42**
